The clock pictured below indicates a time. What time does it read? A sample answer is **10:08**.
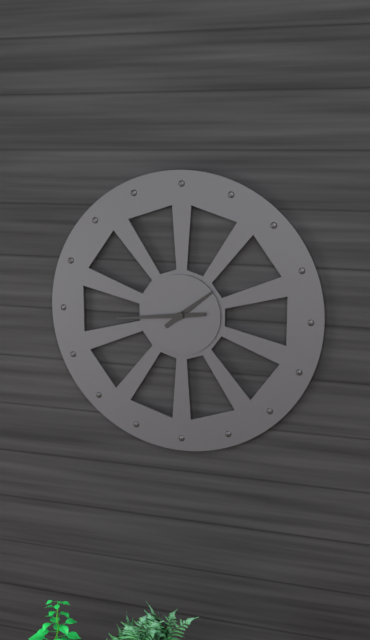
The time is **1:44**
